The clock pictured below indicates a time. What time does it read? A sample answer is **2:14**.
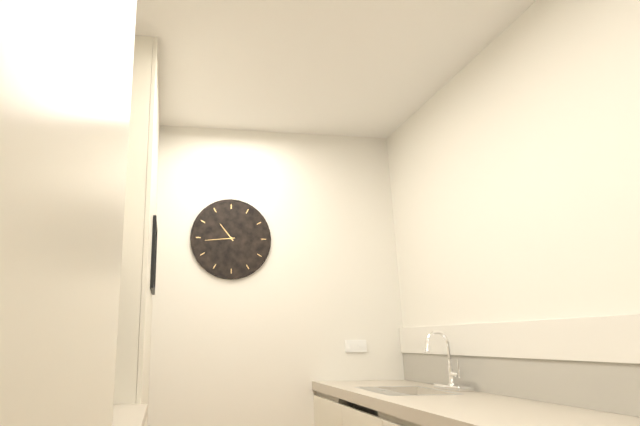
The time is **10:44**
